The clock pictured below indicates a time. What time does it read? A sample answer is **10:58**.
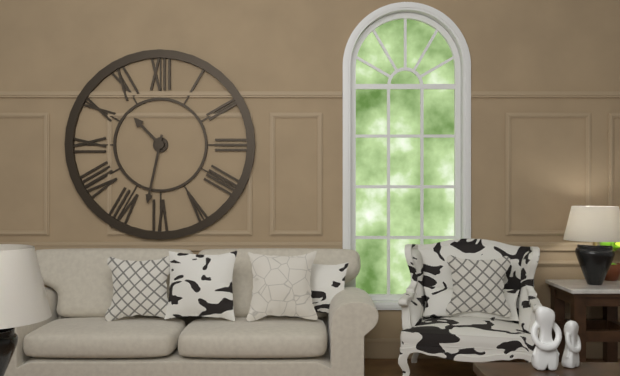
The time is **10:32**
